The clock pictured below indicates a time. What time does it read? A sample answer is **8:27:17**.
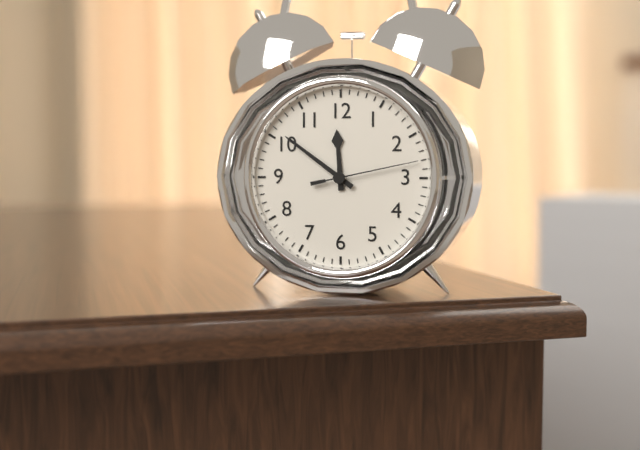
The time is **11:51:13**
